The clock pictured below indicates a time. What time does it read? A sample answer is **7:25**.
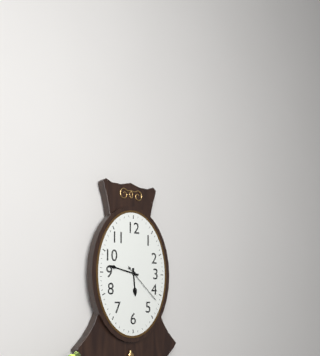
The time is **5:47**
